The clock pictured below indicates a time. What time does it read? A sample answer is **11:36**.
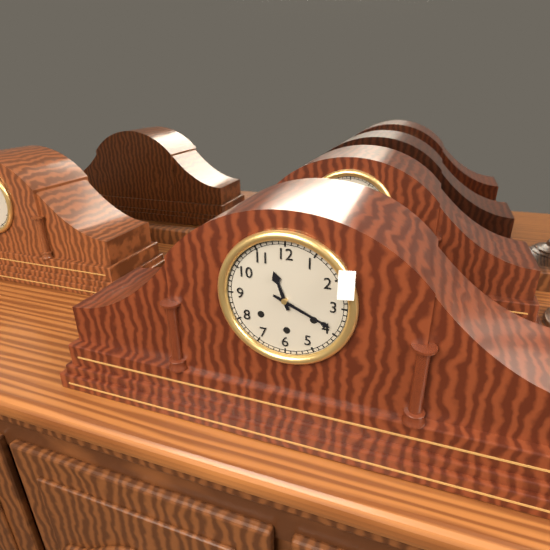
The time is **11:19**
